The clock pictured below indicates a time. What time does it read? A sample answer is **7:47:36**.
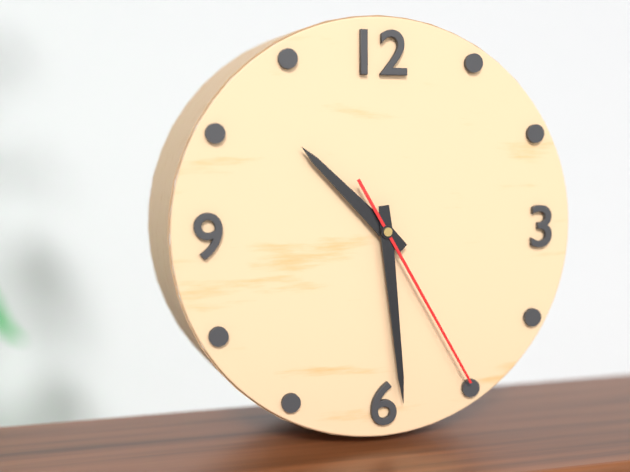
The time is **10:29:25**
